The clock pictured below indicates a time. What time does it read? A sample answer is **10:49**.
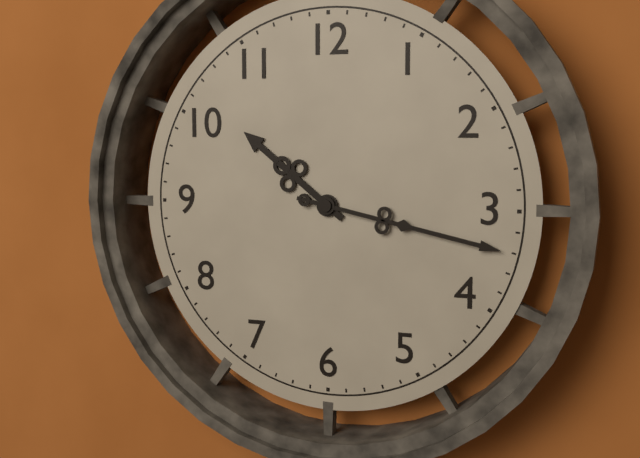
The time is **10:17**
